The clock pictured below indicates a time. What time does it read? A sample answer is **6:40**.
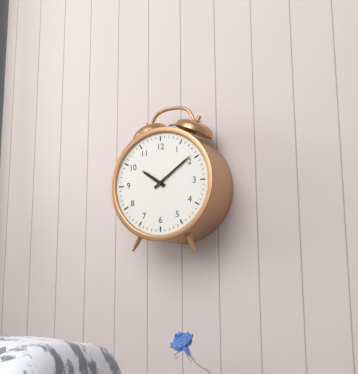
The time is **10:09**
